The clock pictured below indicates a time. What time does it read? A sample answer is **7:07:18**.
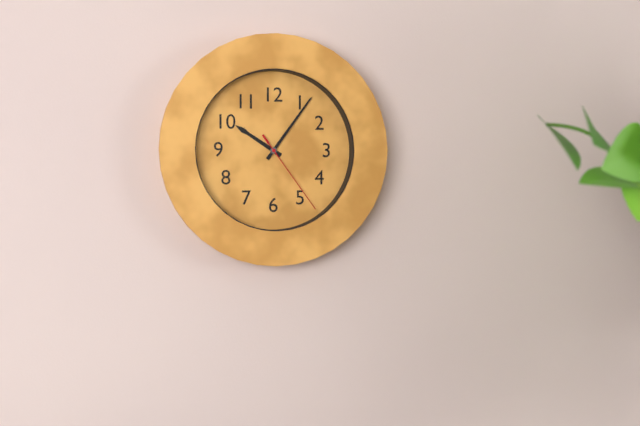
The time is **10:06:24**
